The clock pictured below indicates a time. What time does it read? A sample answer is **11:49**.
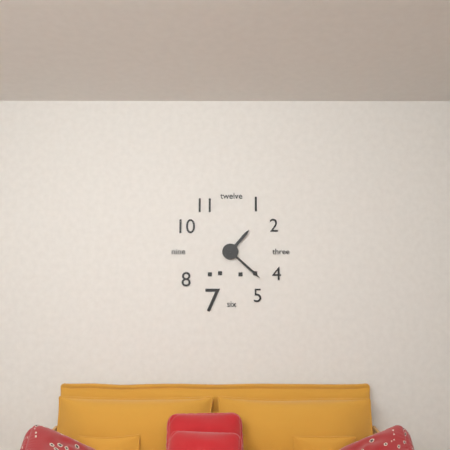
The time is **1:22**
